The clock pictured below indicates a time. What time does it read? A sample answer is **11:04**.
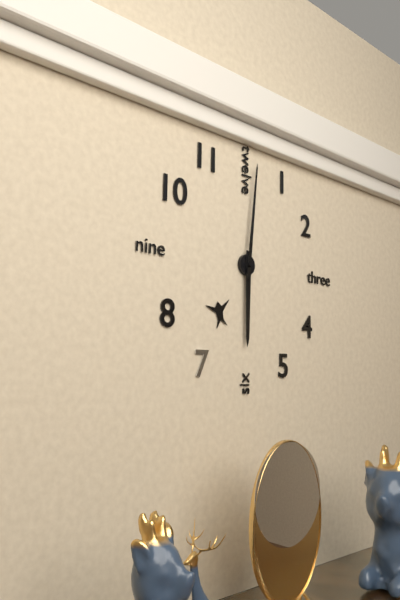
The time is **6:01**
